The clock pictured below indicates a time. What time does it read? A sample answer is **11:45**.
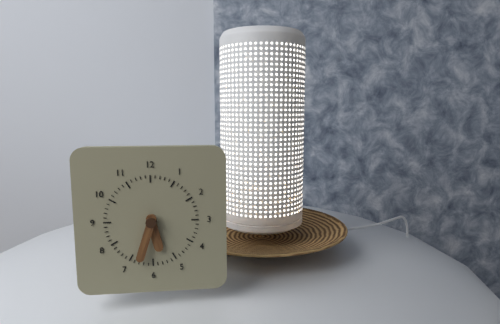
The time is **5:33**
